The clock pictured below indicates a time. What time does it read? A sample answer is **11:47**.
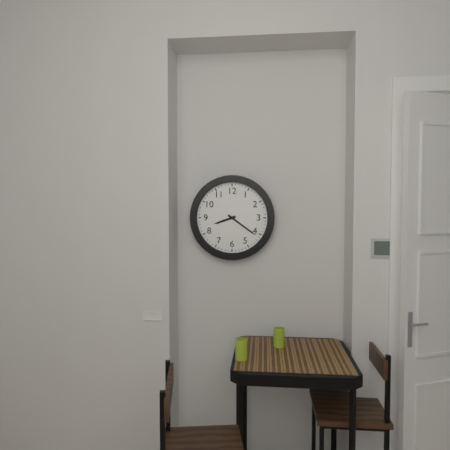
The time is **8:21**
